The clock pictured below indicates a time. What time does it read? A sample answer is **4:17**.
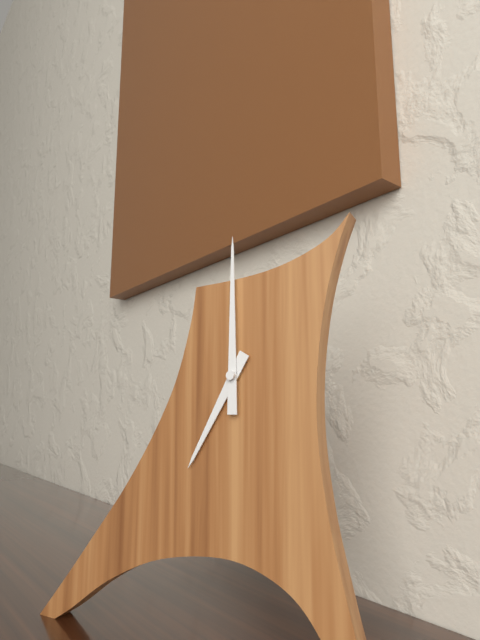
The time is **7:00**
